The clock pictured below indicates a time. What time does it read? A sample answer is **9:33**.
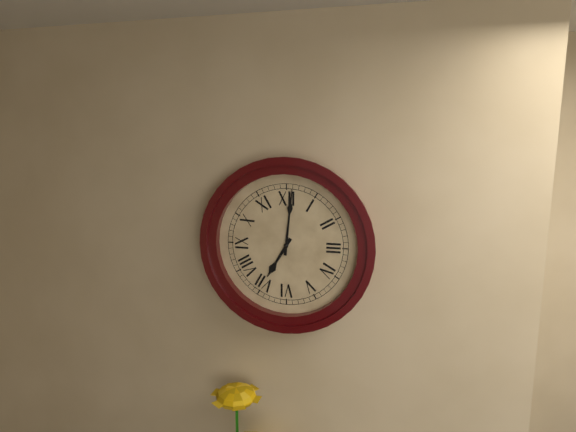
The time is **7:01**
